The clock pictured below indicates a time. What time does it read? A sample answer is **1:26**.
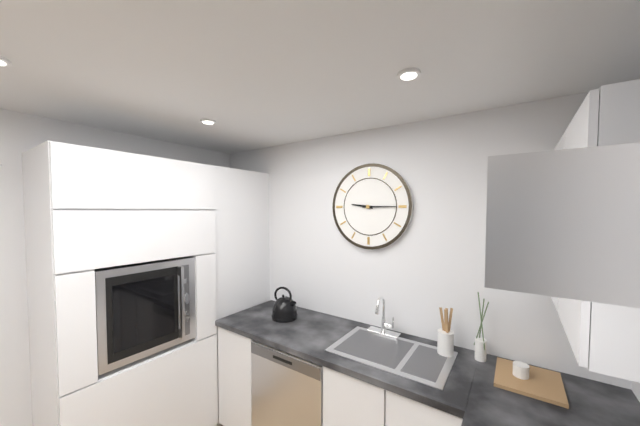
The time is **9:15**
